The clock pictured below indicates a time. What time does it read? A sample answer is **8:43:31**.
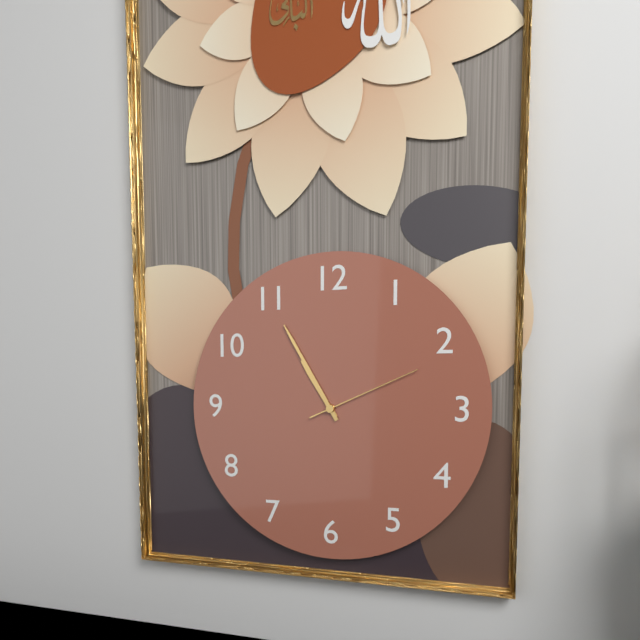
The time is **10:55:11**
